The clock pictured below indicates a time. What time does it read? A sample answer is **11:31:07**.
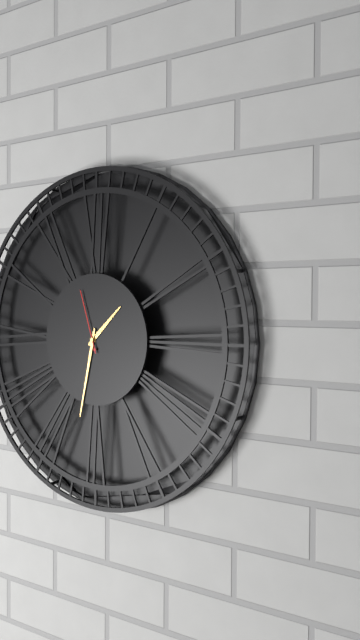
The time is **1:32:57**
